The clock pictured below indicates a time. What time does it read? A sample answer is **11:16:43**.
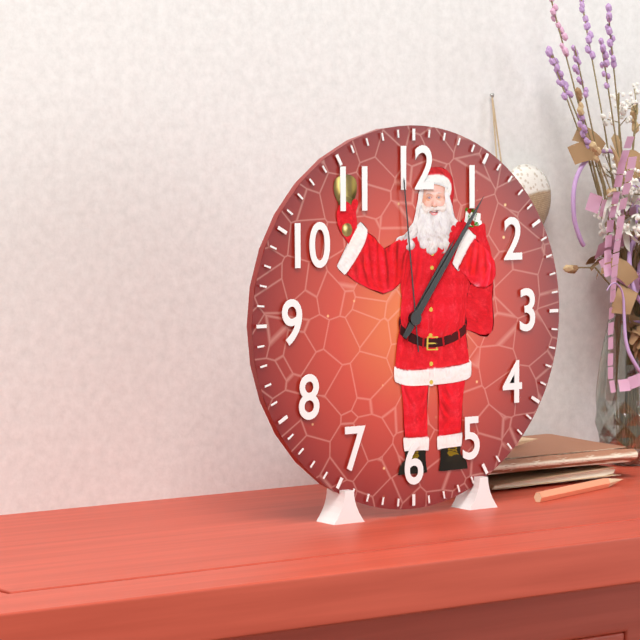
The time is **1:06:59**
